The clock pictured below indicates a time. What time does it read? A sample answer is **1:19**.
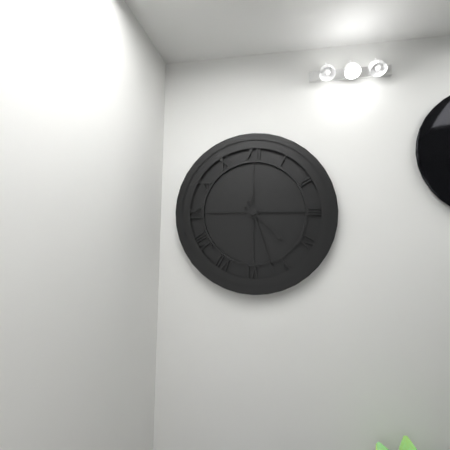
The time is **4:27**
